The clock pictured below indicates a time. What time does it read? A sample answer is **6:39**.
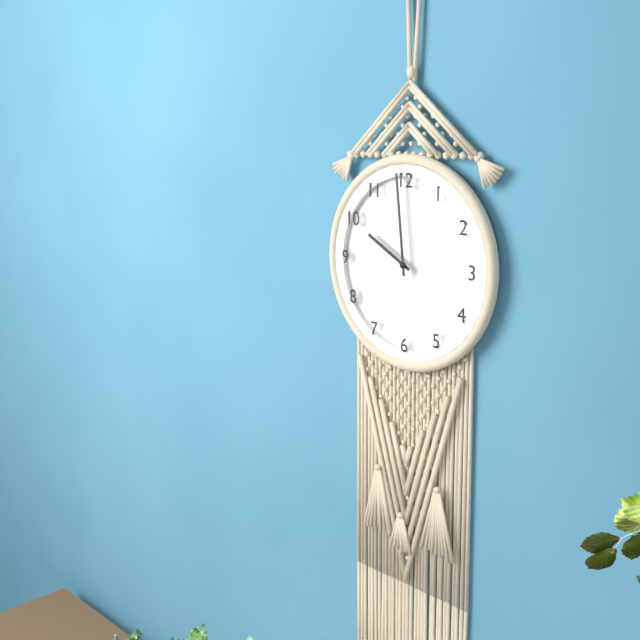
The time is **9:59**
